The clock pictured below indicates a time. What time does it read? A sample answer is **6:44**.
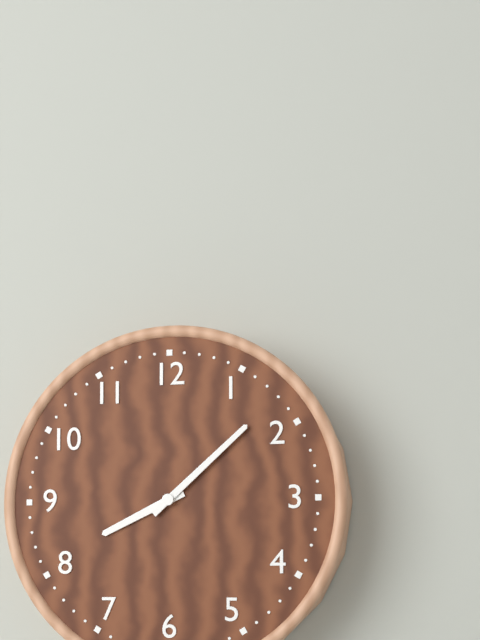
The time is **8:08**
